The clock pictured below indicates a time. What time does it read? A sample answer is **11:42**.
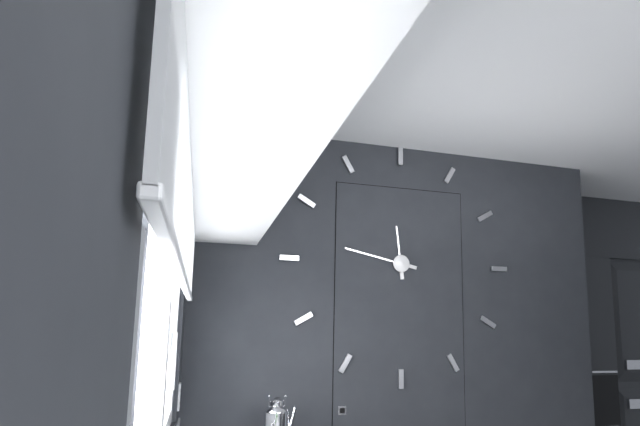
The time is **11:47**
